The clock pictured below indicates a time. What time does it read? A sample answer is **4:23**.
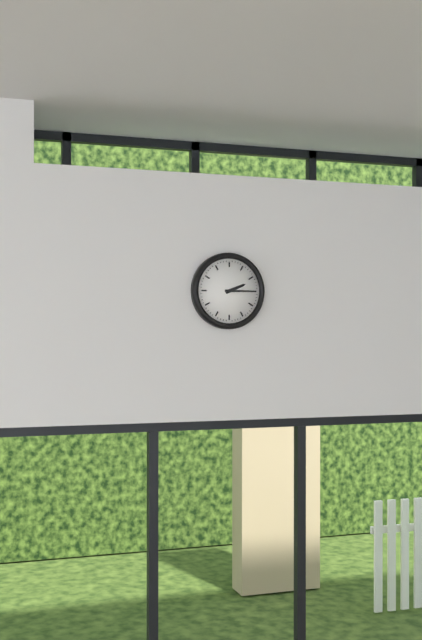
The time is **2:15**
